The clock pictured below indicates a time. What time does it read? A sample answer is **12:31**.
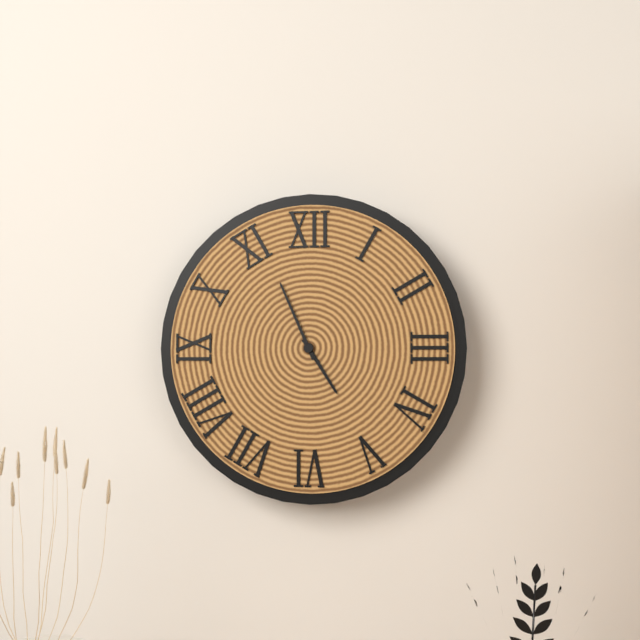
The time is **4:56**
